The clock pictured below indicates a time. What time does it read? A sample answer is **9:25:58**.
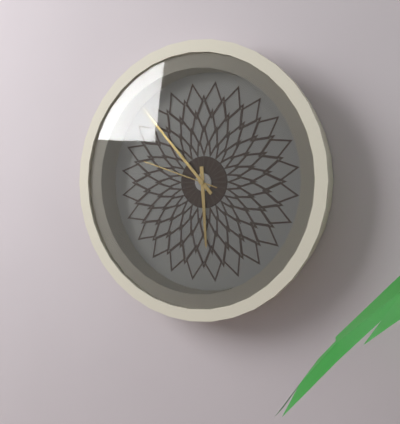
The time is **5:53:48**
